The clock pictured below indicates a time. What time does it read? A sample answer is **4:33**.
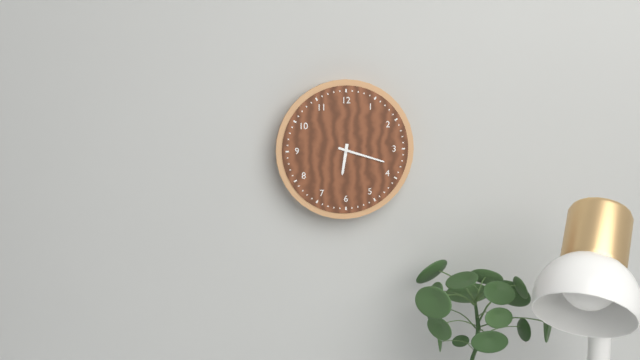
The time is **6:18**
